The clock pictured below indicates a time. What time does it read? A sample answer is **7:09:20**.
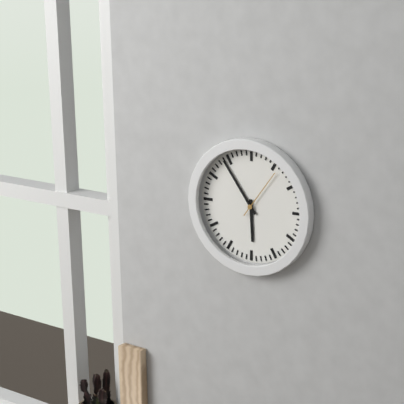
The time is **5:54:06**
